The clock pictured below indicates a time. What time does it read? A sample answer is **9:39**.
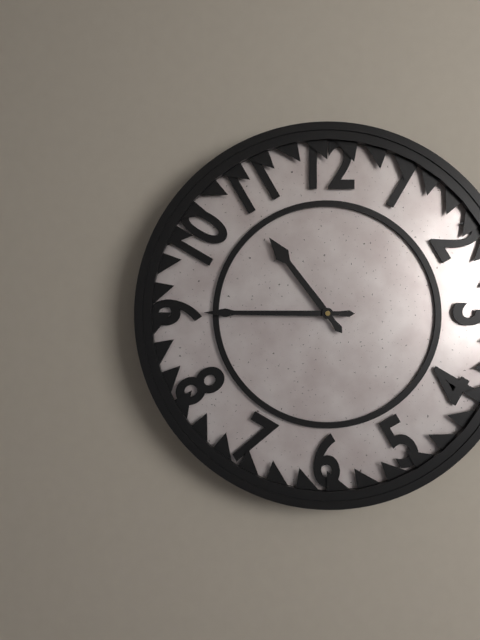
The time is **10:45**
